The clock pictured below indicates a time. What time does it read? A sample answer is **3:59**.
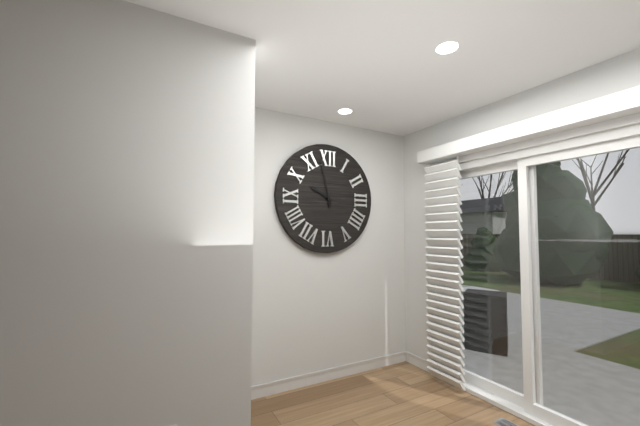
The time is **9:58**
